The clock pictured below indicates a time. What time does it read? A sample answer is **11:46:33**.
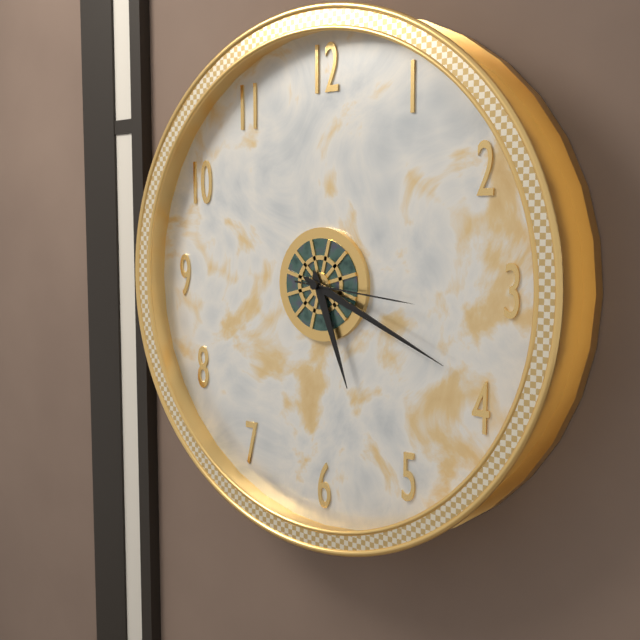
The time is **5:19:16**
